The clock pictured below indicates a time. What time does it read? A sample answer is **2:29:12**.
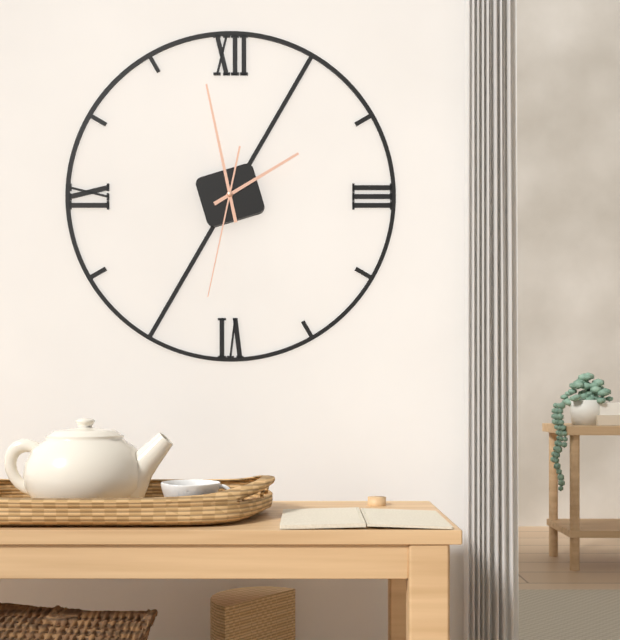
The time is **1:58:32**
